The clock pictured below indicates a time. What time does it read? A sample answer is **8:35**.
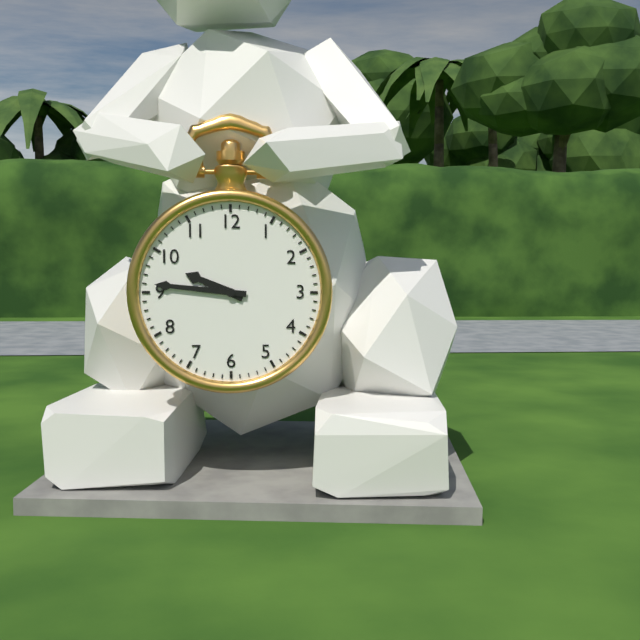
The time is **9:46**
